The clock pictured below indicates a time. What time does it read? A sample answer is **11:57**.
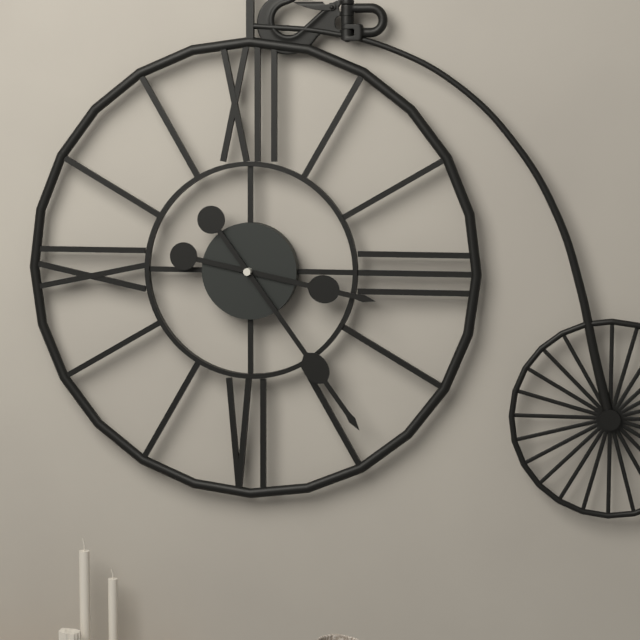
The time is **3:24**
